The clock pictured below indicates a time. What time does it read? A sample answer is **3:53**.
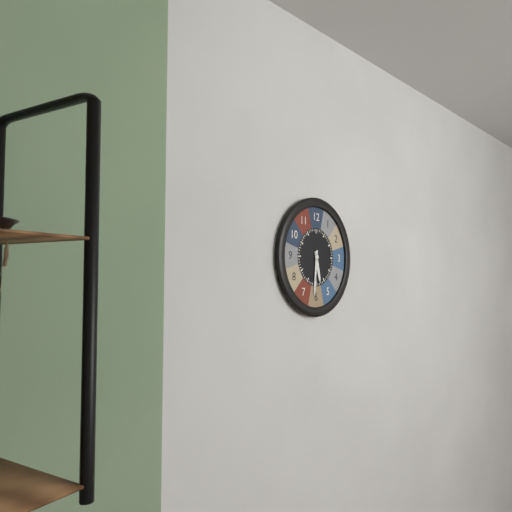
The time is **5:31**
